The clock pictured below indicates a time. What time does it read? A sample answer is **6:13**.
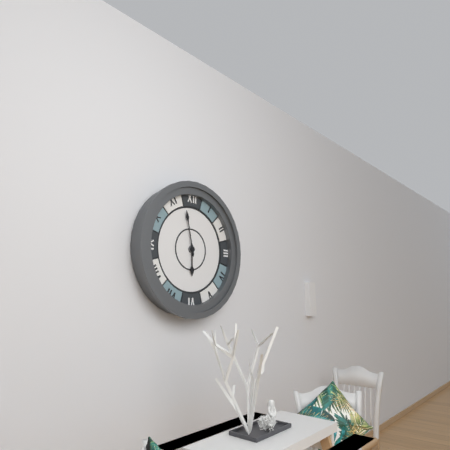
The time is **5:58**
